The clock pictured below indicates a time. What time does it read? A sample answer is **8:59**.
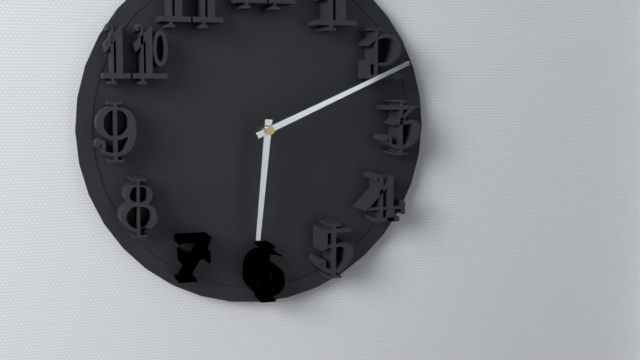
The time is **6:11**
